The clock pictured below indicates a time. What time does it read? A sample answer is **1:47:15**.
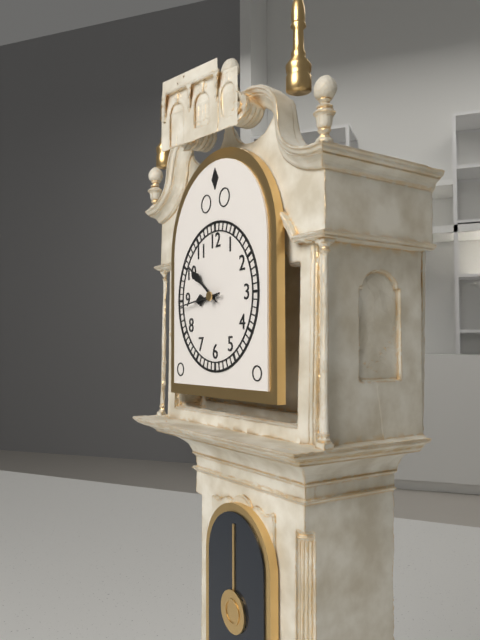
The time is **8:51:44**
